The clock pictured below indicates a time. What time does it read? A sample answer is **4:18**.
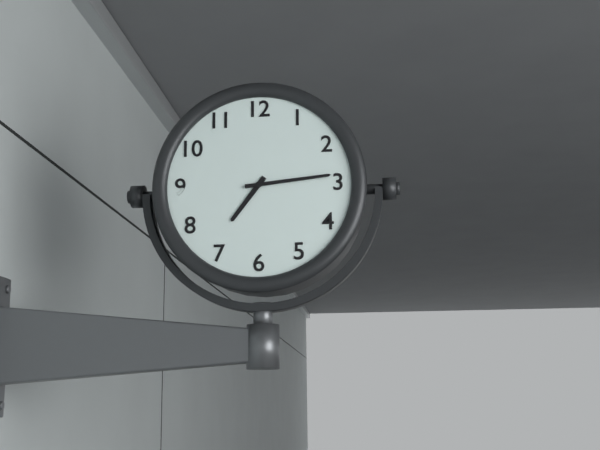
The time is **7:14**
